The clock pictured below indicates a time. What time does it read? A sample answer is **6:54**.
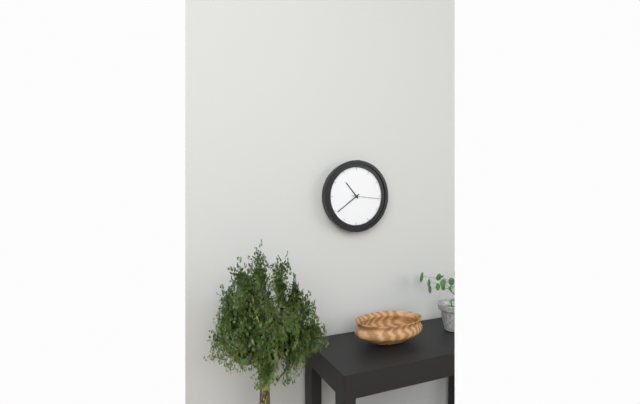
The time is **10:39**
